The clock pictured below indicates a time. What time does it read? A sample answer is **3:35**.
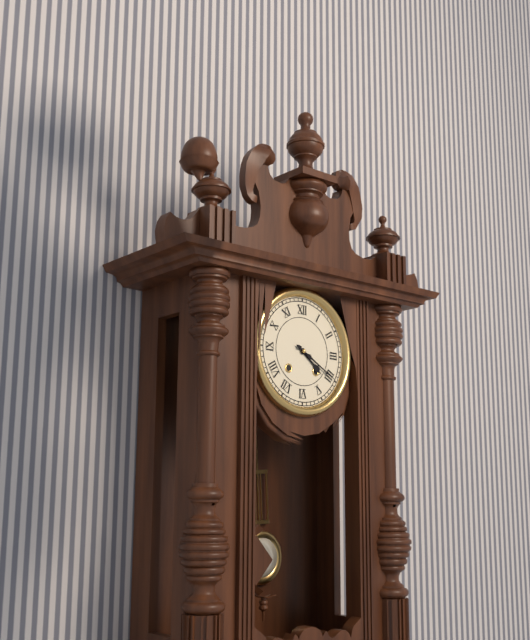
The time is **4:20**
